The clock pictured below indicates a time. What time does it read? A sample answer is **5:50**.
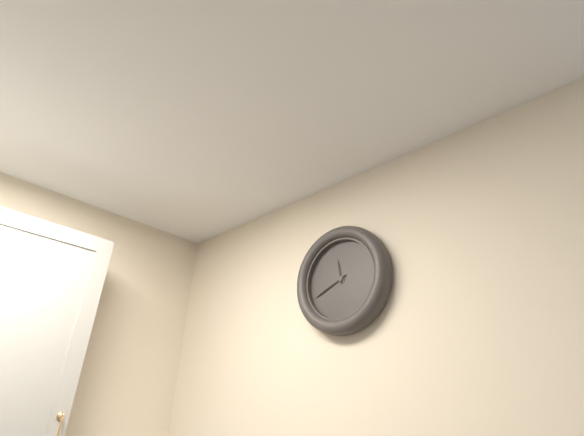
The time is **11:41**
